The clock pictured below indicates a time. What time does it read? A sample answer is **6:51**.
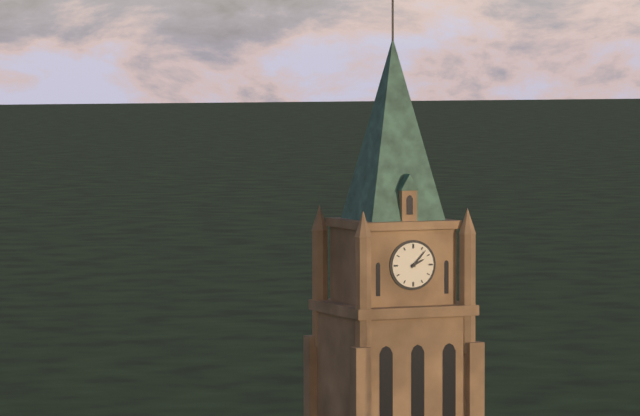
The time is **2:07**
